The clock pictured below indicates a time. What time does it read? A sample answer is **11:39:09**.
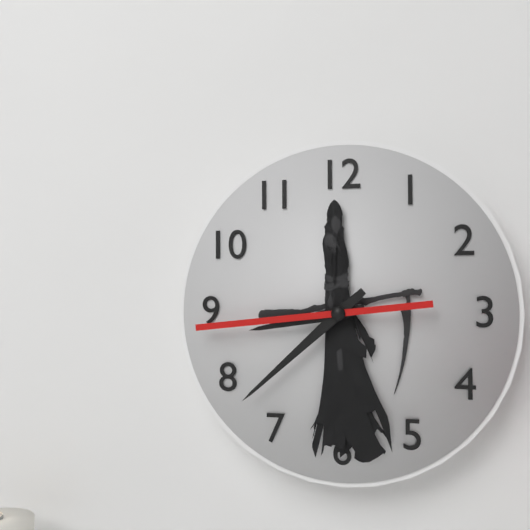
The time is **8:38:44**
